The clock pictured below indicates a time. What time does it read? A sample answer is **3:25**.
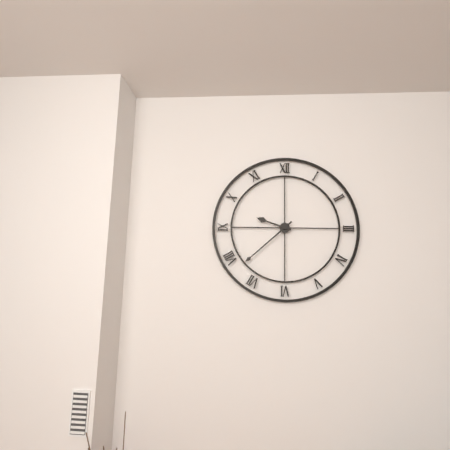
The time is **9:38**
